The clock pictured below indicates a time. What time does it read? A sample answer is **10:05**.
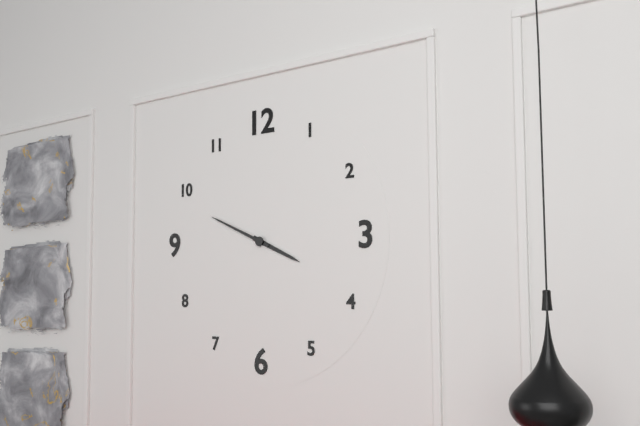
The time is **3:49**
